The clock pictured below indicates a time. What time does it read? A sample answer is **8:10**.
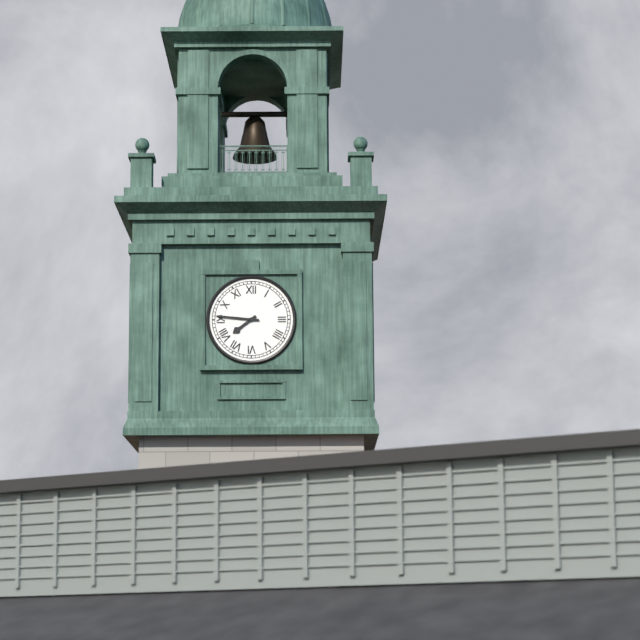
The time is **7:46**
